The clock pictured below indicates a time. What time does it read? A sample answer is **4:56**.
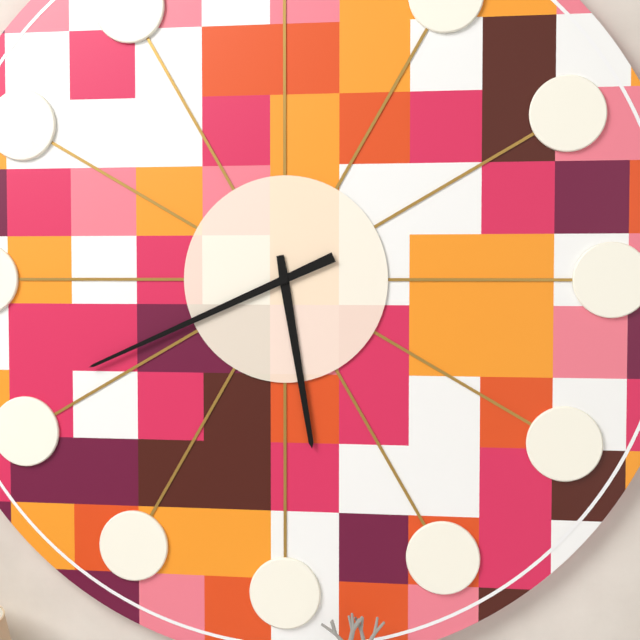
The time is **5:41**
